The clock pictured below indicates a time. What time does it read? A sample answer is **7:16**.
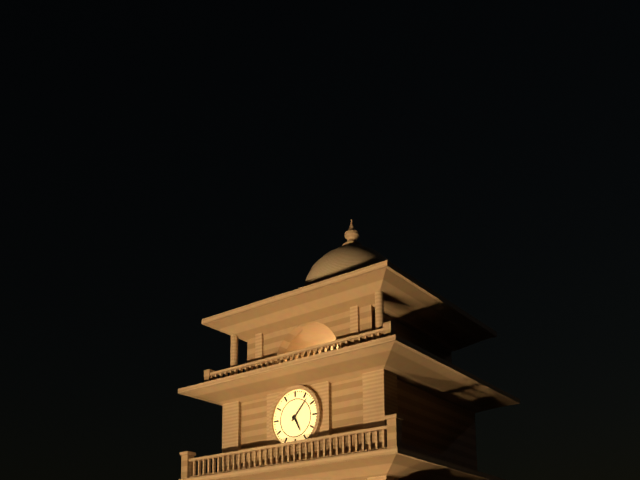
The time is **5:07**
